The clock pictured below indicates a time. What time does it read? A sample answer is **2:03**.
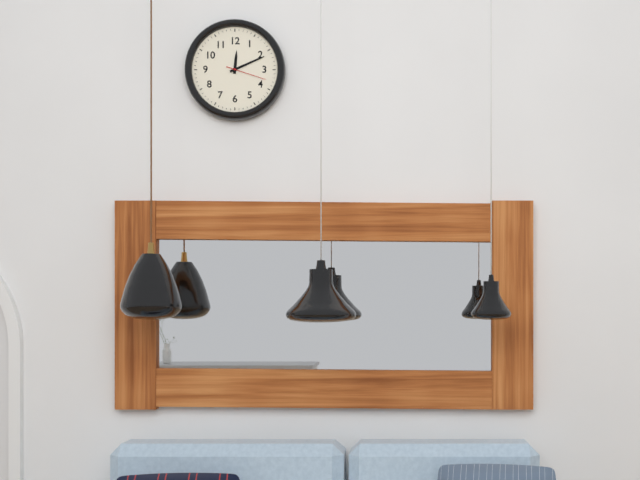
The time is **12:11**
